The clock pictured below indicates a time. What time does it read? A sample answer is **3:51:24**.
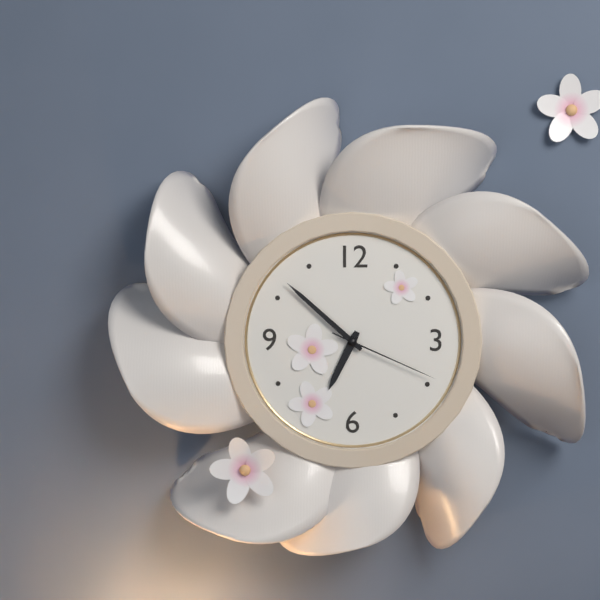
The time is **6:52:19**
